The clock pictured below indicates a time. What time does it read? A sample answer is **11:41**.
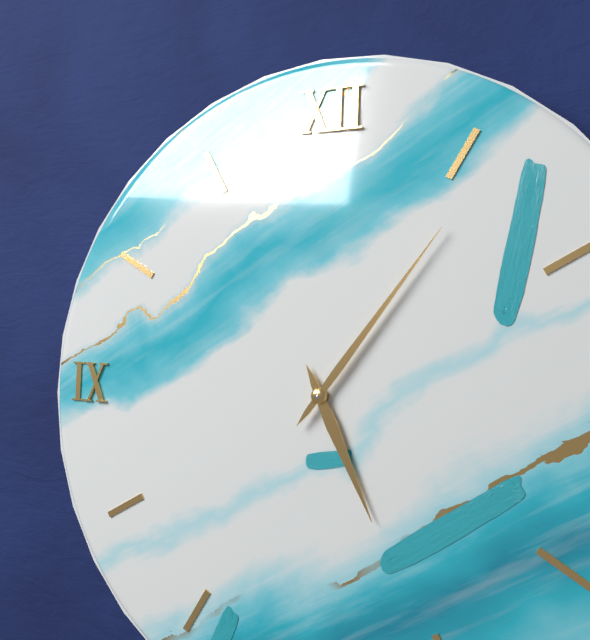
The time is **5:06**
